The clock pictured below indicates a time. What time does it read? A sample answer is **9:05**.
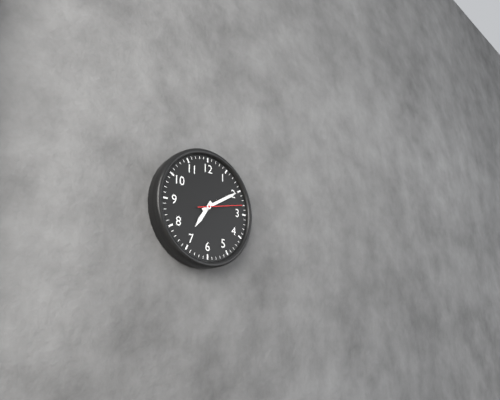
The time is **7:10**
